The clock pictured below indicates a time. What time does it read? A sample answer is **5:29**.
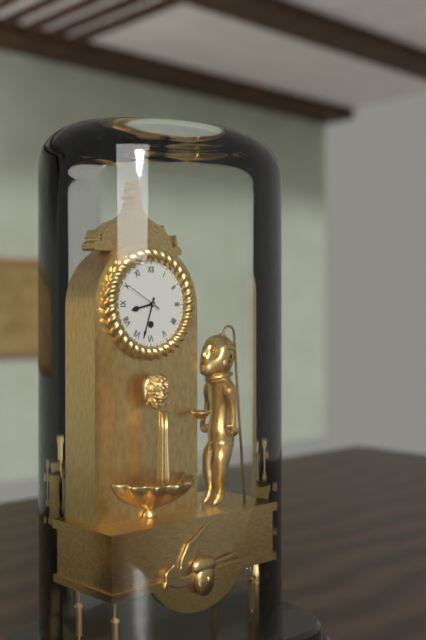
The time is **8:33**
